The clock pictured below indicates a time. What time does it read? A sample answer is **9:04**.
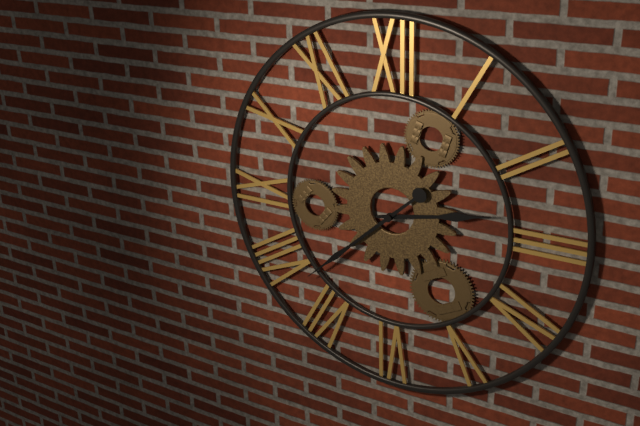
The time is **2:38**
